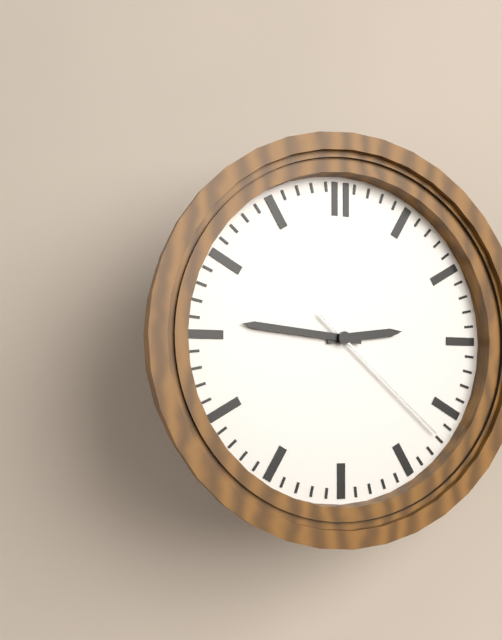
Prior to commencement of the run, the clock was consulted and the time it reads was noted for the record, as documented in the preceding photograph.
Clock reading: 2:46:22
